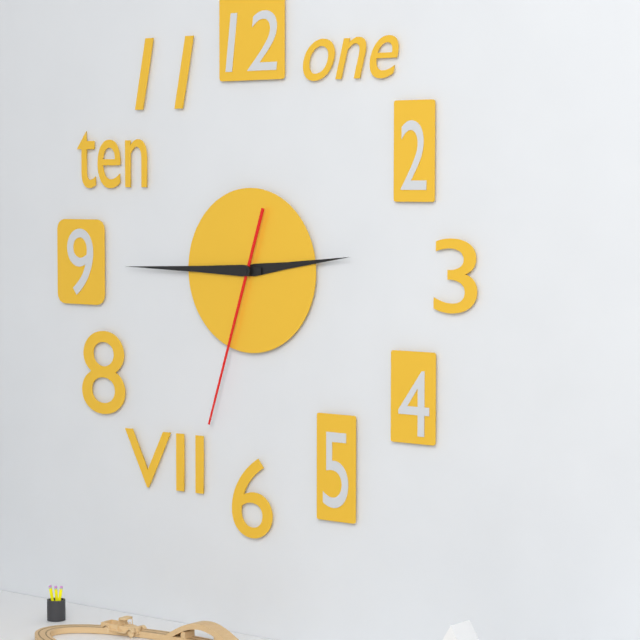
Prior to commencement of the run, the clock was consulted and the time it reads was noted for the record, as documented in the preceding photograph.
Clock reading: 2:45:33
